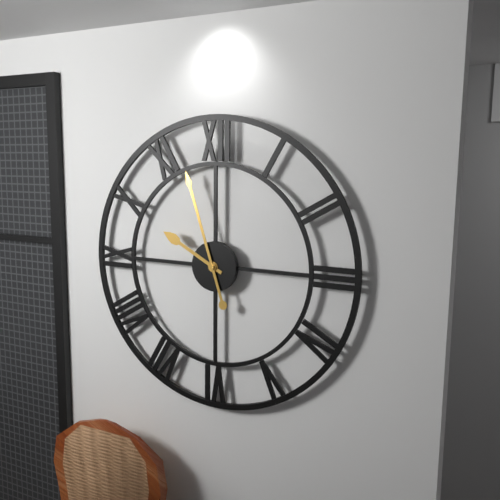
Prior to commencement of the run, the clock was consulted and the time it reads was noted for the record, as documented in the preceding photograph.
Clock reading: 9:57
